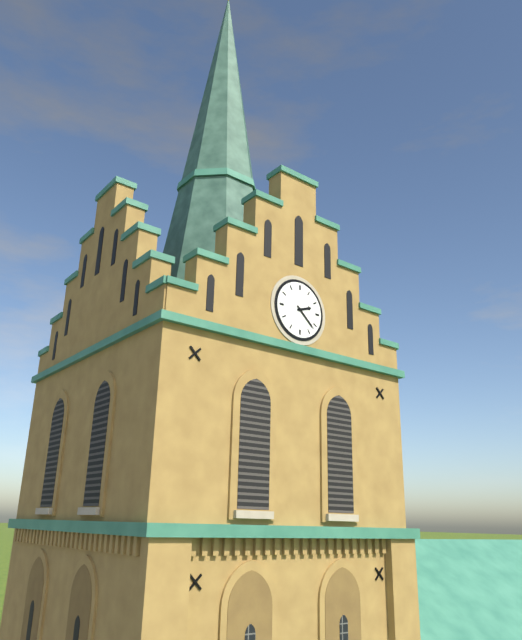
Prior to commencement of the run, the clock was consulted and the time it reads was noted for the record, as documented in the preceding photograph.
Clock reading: 2:22
